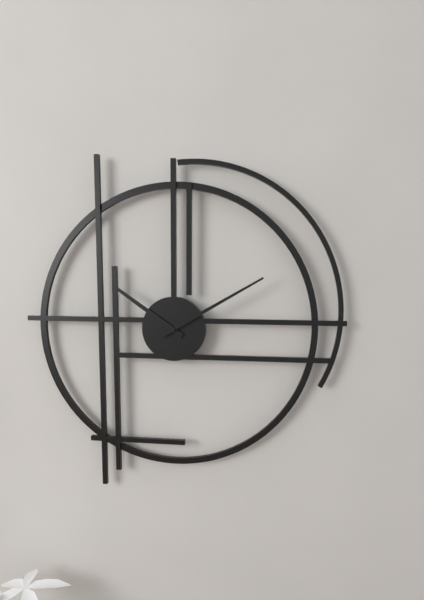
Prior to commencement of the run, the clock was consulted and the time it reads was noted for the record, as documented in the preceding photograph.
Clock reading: 10:10
